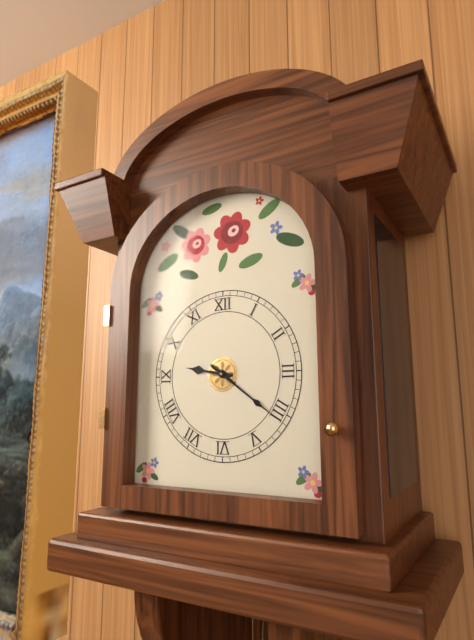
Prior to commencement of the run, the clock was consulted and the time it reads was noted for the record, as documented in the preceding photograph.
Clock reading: 9:21
